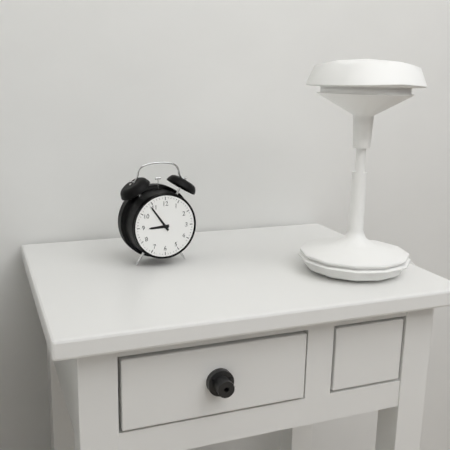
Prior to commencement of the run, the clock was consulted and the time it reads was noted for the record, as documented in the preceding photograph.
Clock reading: 8:54
